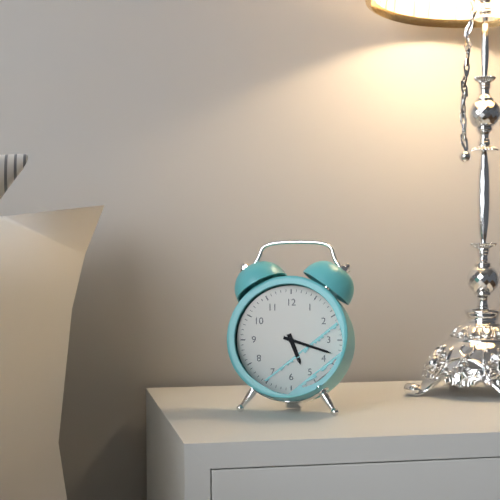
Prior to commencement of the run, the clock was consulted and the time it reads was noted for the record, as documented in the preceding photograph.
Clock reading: 5:18
